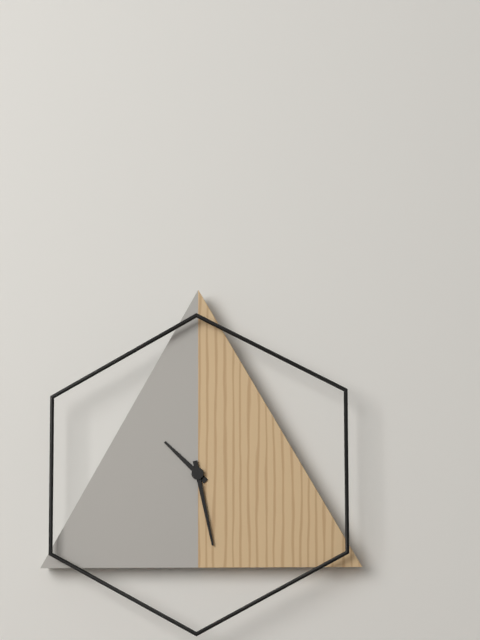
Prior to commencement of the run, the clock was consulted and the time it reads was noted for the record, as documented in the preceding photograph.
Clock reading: 10:28
